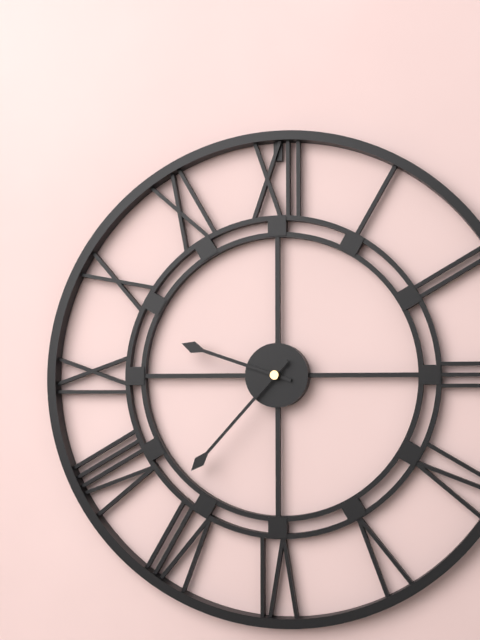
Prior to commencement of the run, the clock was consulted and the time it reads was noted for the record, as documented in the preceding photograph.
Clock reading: 9:37
